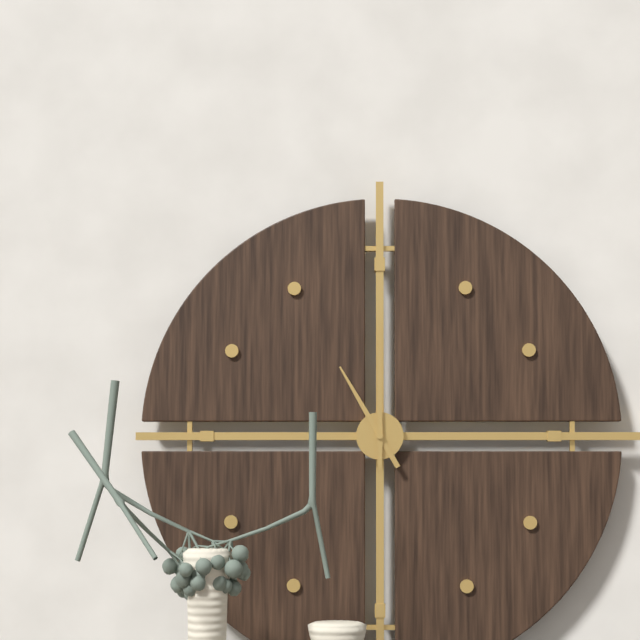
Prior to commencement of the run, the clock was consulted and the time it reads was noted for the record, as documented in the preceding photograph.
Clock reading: 11:00
